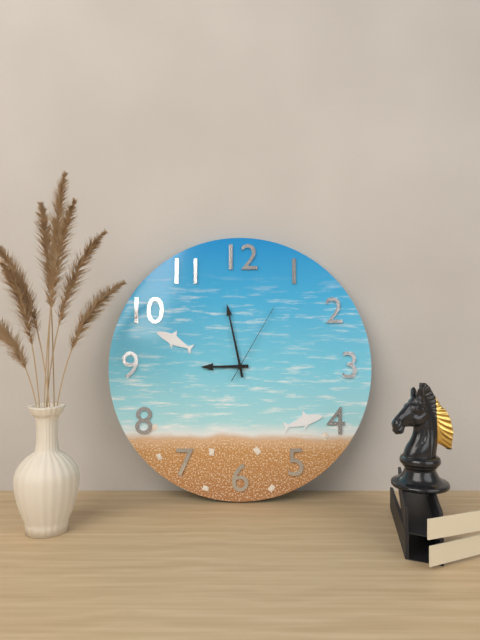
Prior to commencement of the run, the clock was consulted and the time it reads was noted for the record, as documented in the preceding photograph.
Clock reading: 8:58:05
